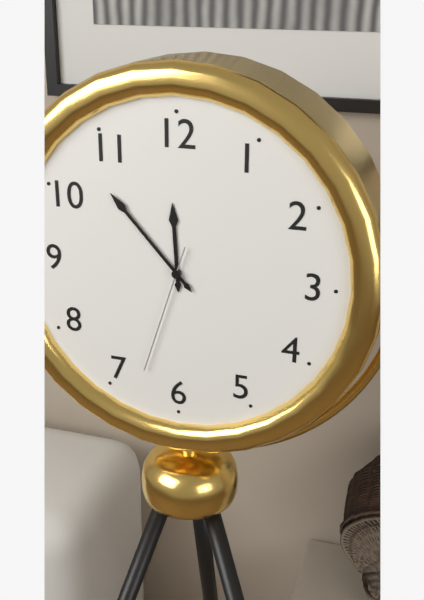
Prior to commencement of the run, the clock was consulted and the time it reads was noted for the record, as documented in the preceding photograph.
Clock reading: 11:53:33
